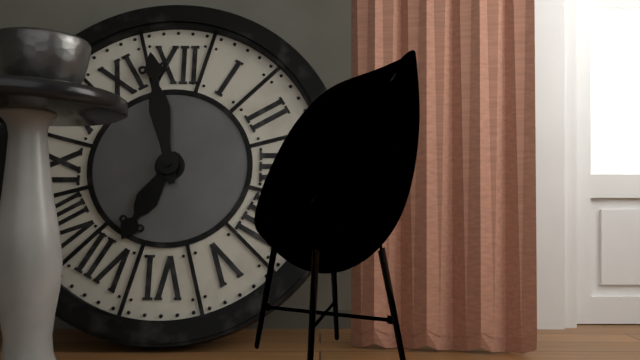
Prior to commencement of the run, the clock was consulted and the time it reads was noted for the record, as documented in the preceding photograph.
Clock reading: 6:58
